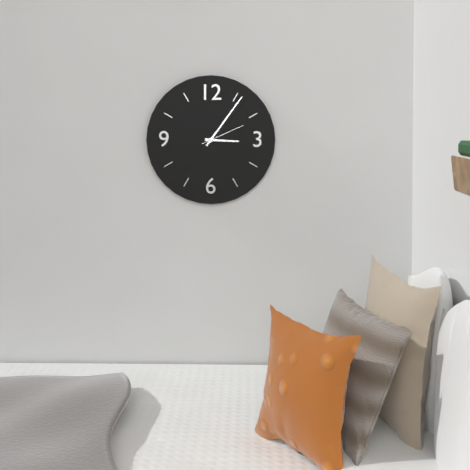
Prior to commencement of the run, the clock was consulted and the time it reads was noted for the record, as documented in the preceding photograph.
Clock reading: 3:06
